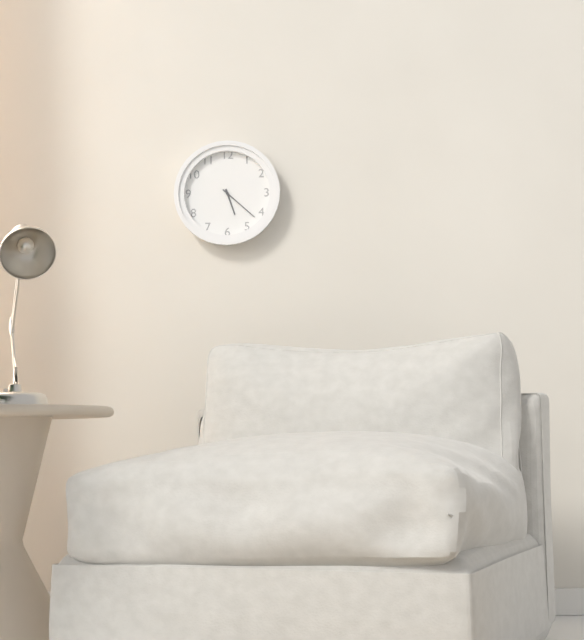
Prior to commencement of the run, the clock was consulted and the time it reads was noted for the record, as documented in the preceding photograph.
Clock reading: 5:22
